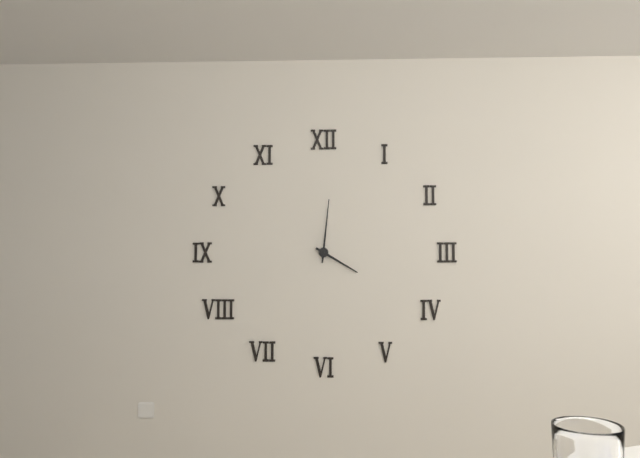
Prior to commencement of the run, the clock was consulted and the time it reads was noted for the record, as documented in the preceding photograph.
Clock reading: 4:01
